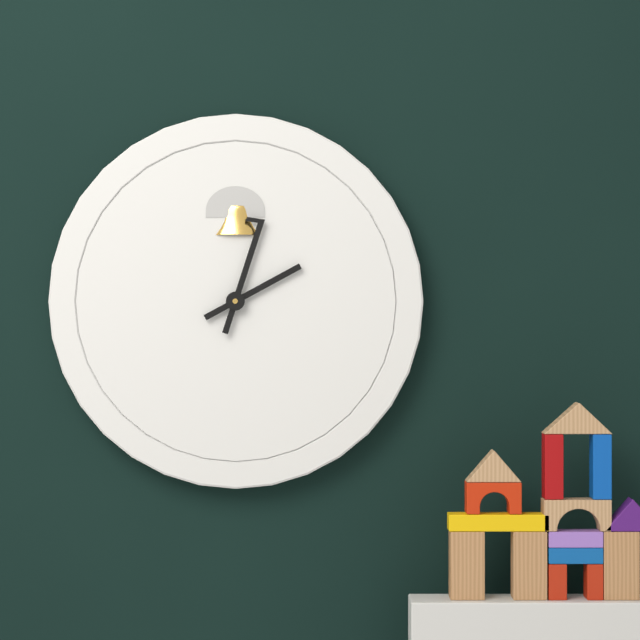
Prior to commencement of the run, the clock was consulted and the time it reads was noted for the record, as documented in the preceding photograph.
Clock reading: 2:03
